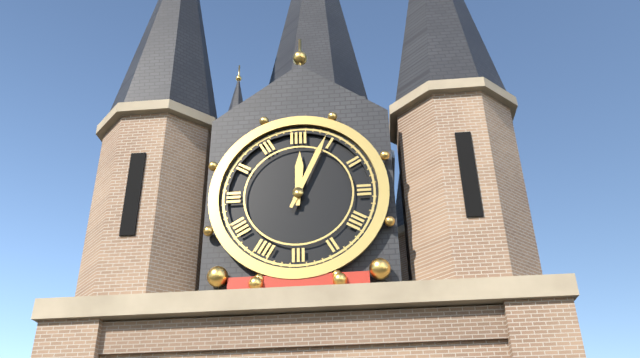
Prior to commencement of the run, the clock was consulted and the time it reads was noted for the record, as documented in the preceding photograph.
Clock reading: 12:04
